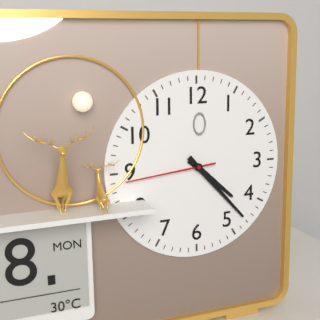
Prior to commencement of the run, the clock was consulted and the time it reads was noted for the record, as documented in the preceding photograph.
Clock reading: 4:23:44
